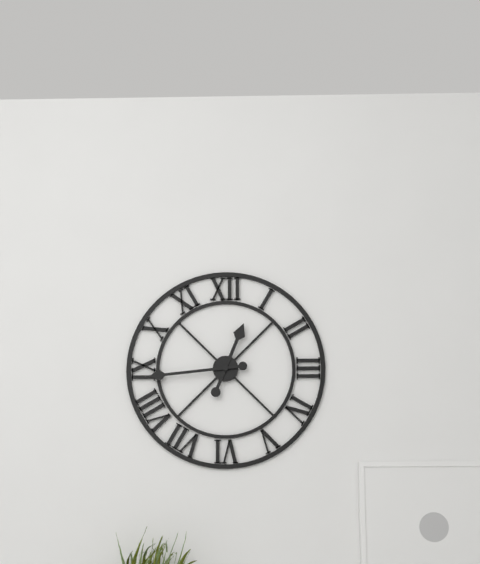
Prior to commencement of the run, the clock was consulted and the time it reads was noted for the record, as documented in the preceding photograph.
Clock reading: 12:44
